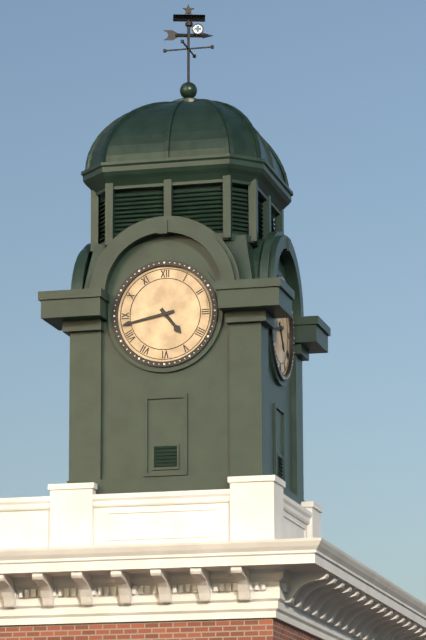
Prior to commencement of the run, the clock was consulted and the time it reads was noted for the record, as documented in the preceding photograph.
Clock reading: 4:43
